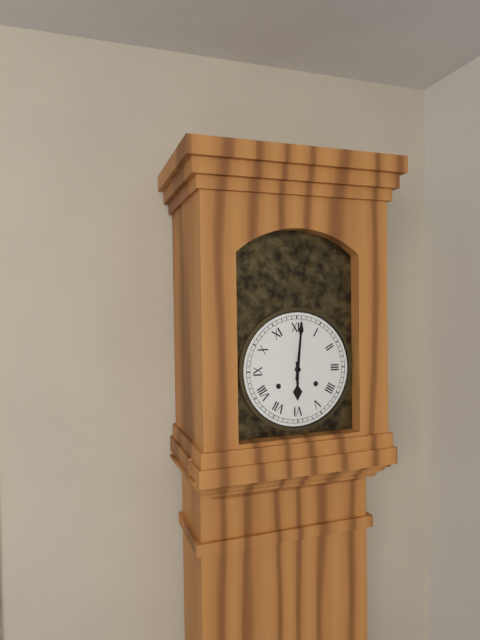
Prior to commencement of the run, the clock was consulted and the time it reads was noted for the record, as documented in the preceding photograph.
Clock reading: 6:01
